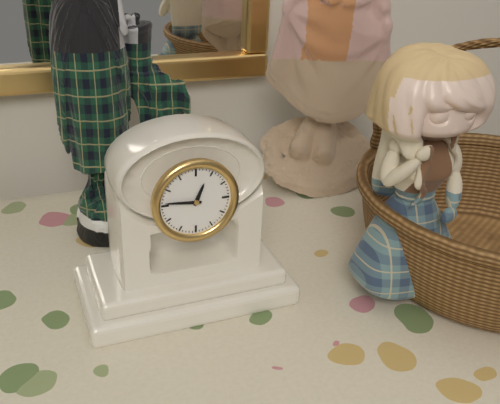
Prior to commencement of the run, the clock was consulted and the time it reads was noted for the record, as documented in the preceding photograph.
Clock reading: 12:46
